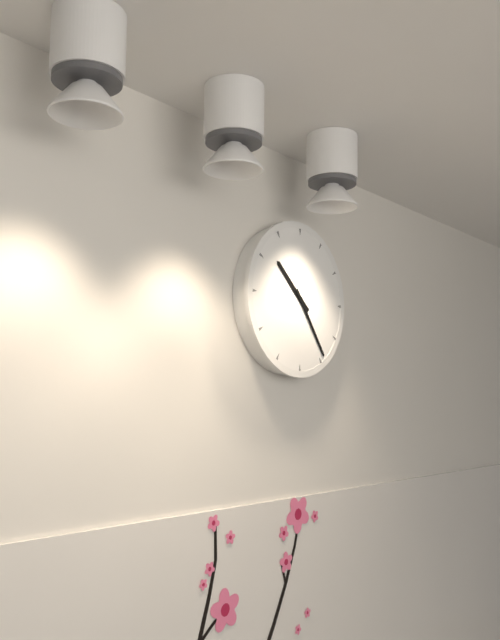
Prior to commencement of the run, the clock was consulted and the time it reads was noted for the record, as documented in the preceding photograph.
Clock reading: 10:24
